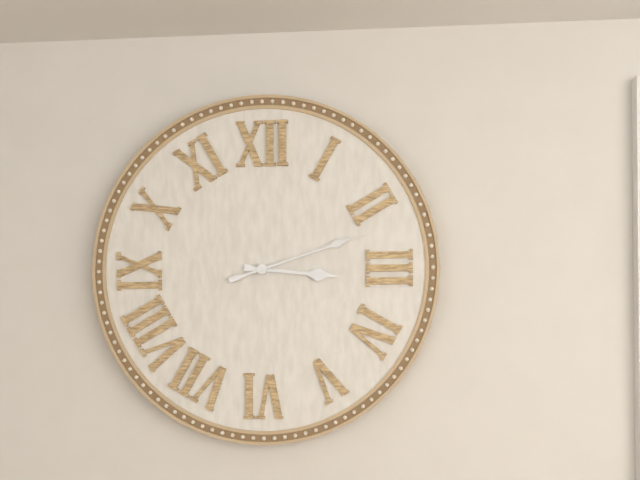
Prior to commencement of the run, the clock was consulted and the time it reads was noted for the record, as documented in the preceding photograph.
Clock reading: 3:12
